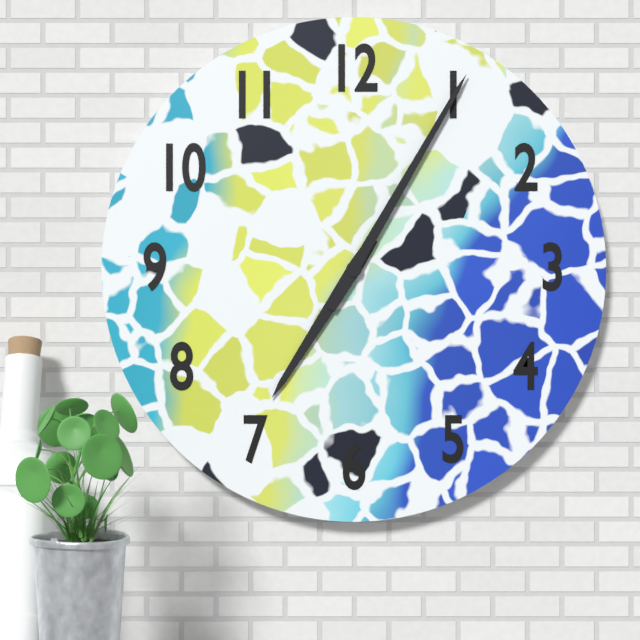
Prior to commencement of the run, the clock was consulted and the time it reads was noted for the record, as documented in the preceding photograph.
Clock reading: 7:05
